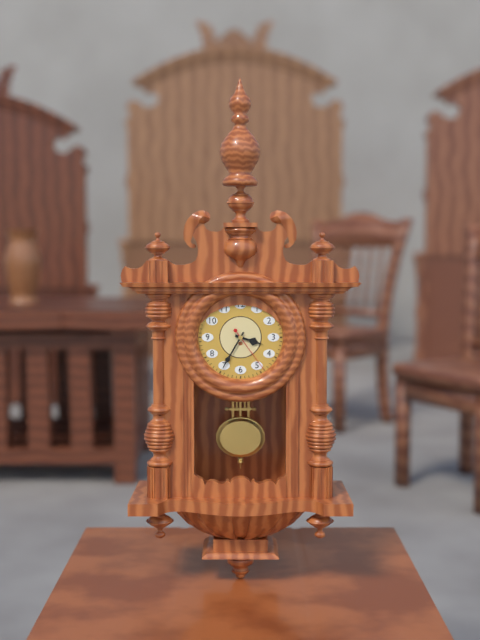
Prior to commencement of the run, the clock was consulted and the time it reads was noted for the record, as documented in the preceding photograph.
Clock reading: 3:35:24
